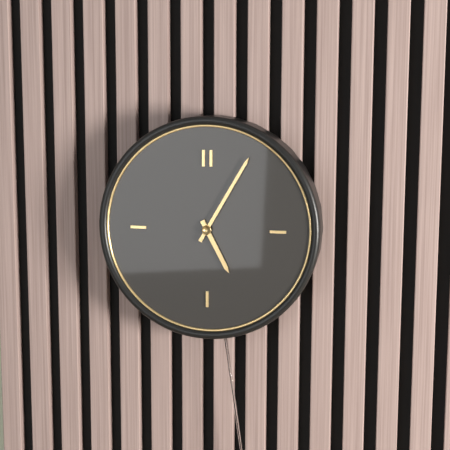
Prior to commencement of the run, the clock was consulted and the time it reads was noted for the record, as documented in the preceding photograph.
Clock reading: 5:05
